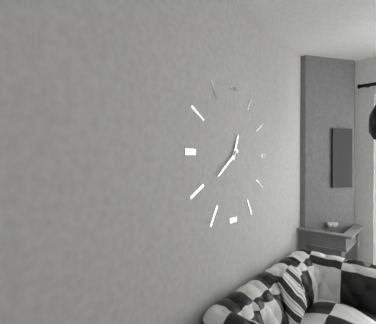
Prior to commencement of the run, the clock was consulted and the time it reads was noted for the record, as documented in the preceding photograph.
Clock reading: 12:39
